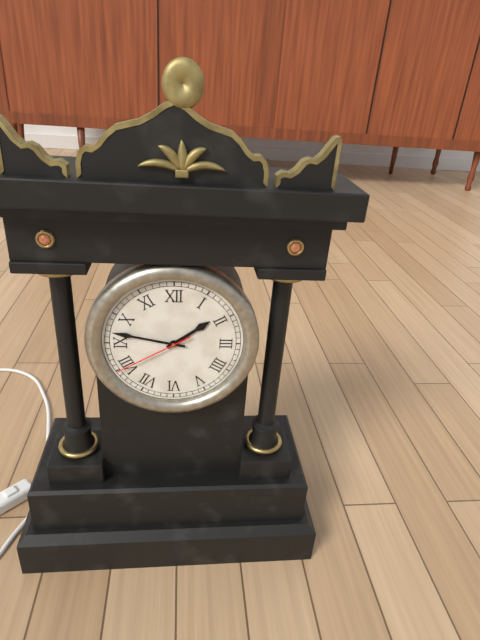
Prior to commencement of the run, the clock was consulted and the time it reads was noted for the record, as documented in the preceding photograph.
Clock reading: 1:47:40
